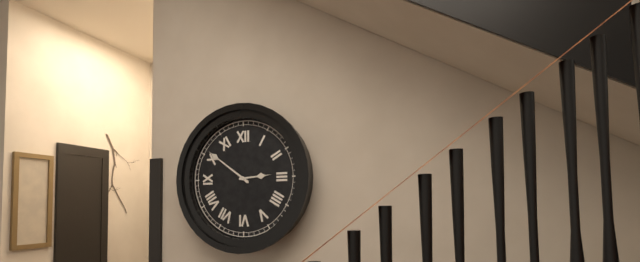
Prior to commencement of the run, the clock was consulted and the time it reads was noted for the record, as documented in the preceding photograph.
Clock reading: 2:51
